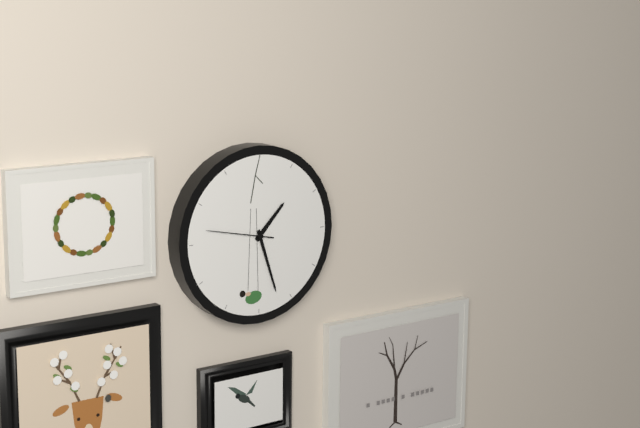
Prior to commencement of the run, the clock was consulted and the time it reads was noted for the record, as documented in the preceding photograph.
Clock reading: 1:27:47
